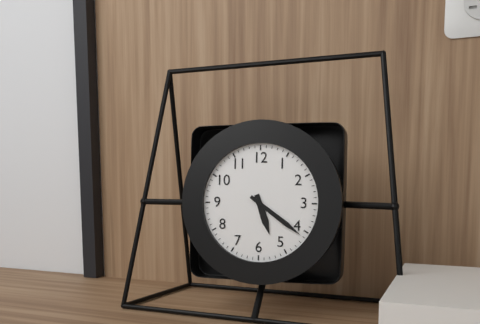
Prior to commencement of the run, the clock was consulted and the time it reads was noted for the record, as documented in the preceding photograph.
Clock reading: 5:21
